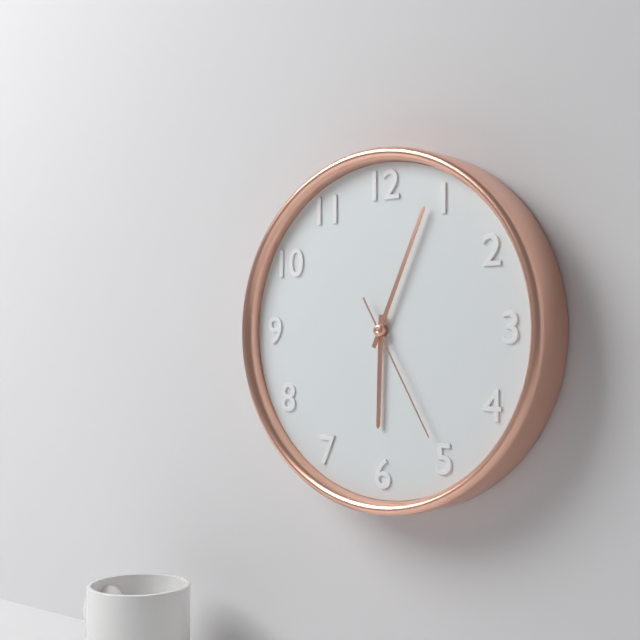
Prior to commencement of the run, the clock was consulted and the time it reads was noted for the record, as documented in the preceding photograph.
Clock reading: 6:04:25
